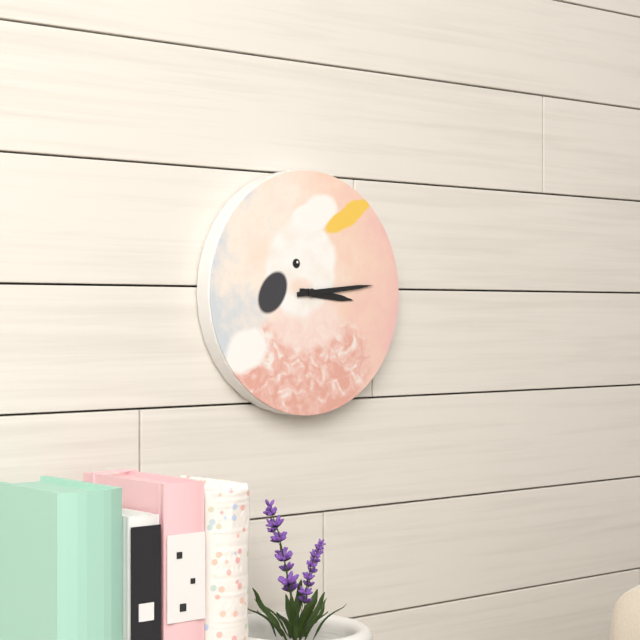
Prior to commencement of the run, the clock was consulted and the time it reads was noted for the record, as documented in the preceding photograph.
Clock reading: 3:14
